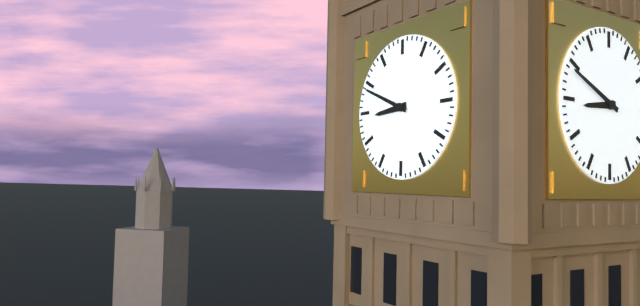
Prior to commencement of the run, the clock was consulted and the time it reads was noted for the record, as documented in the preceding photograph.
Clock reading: 8:49
